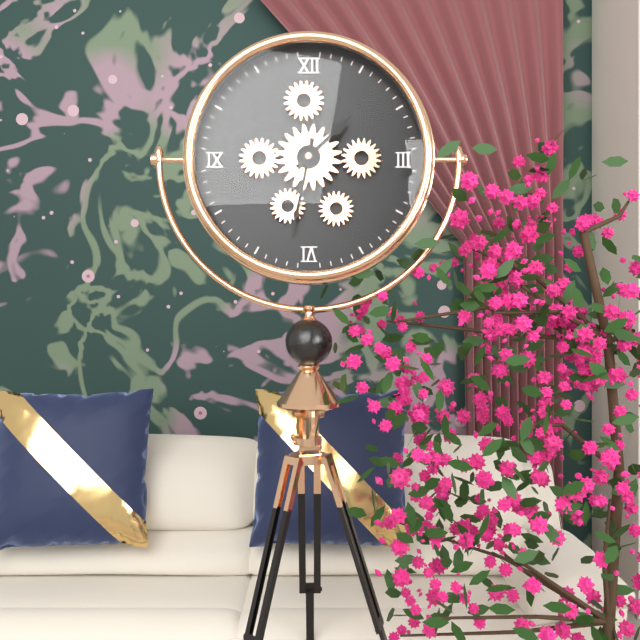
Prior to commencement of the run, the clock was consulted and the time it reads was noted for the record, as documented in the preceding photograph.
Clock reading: 1:32
